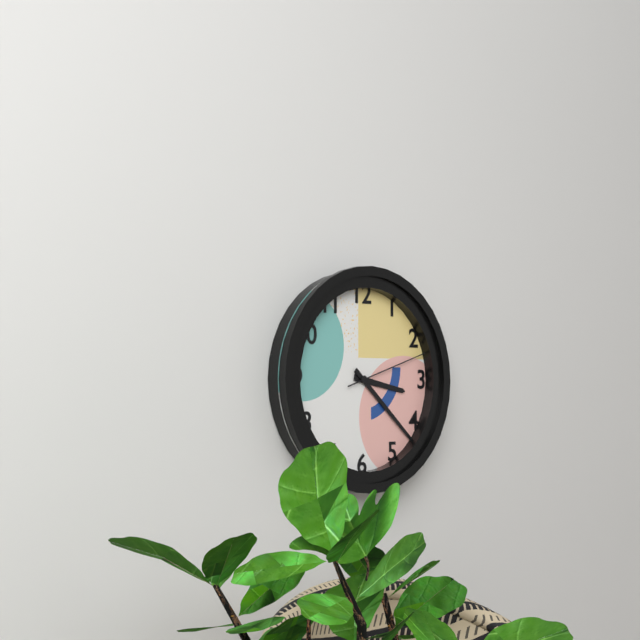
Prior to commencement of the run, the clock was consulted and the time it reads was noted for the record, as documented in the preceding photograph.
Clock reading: 3:22:12
